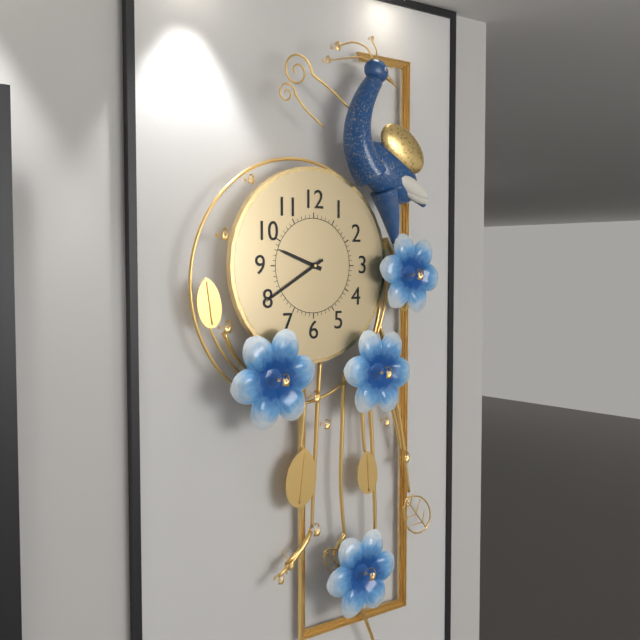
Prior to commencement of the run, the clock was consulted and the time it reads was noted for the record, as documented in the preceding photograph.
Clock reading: 9:40
